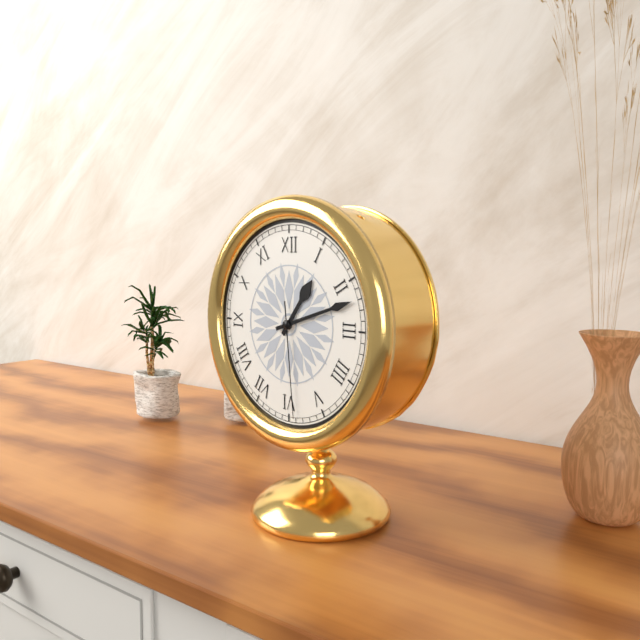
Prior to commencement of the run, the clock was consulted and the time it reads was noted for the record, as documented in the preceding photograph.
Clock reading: 1:12:29
